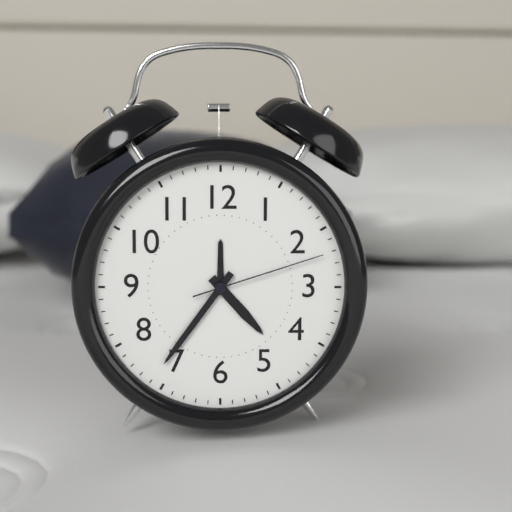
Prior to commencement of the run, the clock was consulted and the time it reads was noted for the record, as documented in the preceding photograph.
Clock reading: 4:36:12
